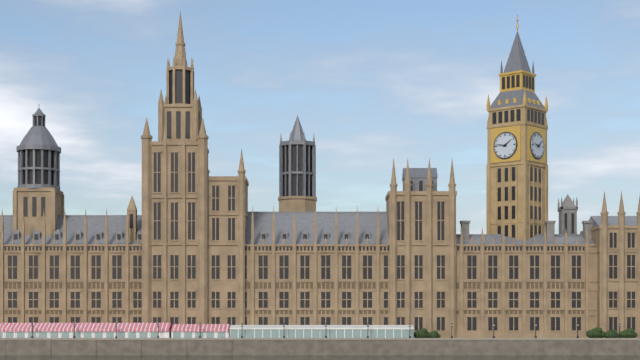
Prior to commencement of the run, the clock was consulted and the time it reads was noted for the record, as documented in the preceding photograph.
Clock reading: 1:47
